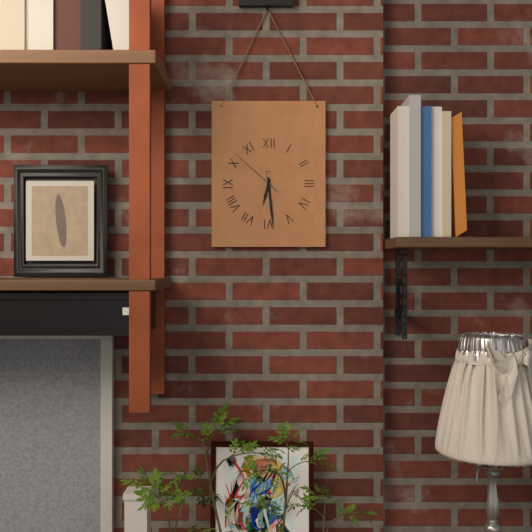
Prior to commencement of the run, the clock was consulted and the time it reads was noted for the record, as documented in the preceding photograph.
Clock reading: 6:29:52
